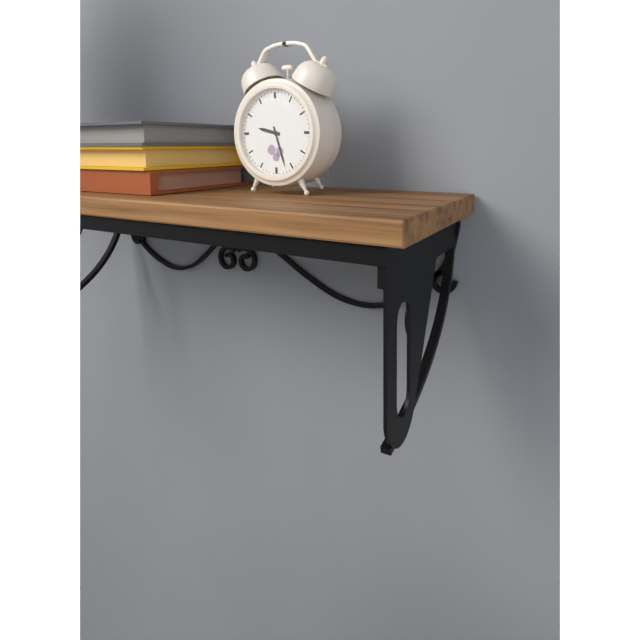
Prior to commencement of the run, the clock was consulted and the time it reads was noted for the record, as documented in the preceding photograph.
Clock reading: 9:27
